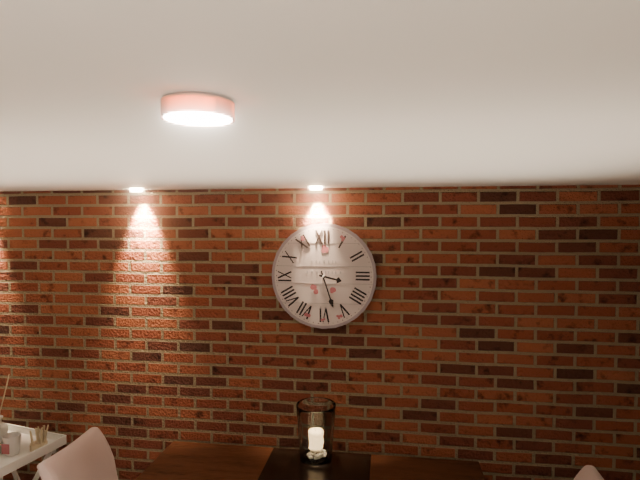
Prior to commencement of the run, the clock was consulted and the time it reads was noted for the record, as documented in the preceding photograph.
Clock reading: 3:27
